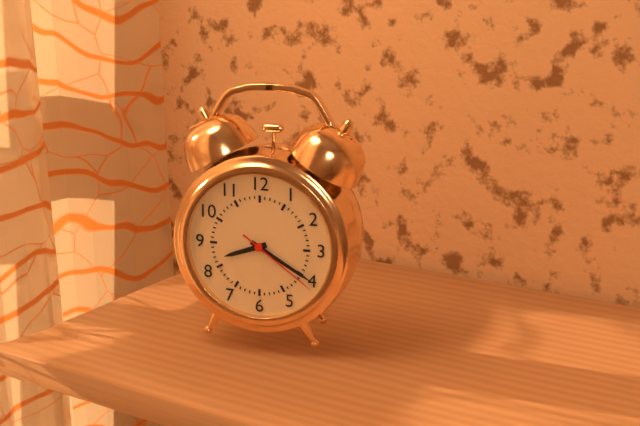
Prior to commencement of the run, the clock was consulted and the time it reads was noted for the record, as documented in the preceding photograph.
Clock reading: 8:20:21
